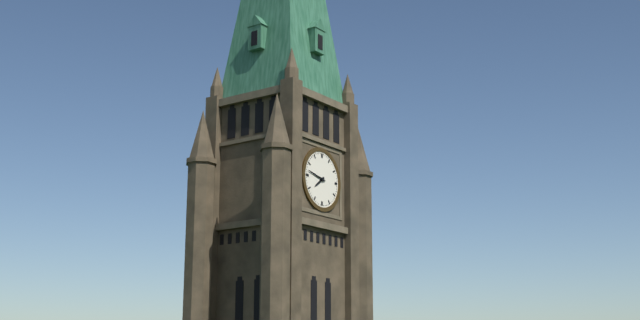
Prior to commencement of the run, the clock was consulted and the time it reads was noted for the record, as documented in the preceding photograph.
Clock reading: 7:47
